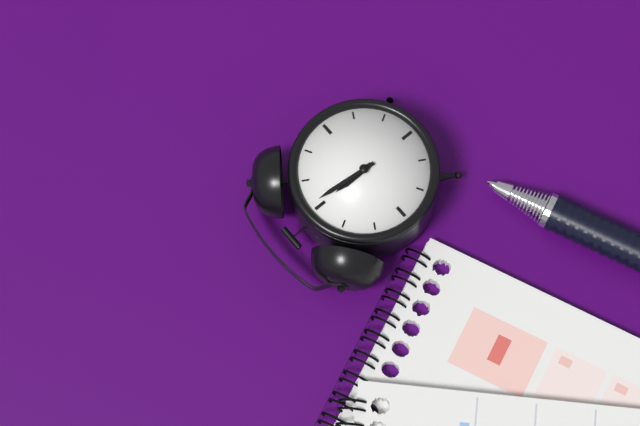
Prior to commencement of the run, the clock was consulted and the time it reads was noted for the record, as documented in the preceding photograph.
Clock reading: 12:01
